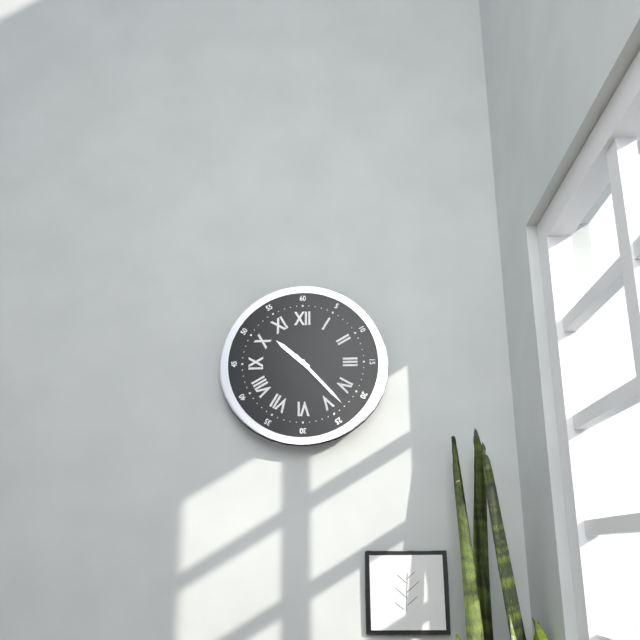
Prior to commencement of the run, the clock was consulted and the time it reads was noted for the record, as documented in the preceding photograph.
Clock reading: 10:23
